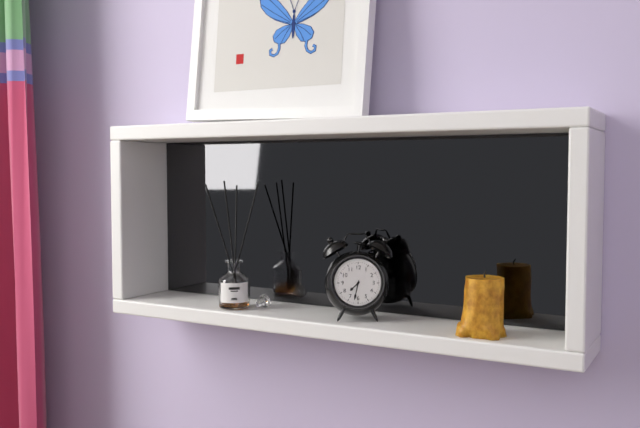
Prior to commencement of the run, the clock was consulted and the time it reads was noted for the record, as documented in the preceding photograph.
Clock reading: 7:32
